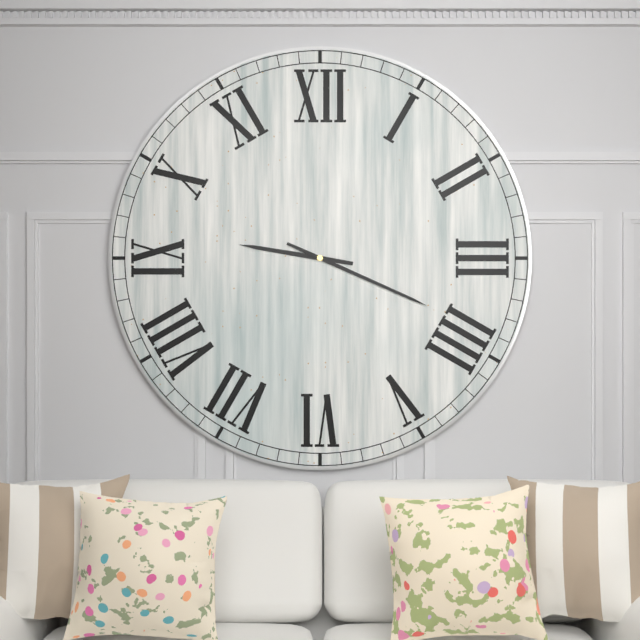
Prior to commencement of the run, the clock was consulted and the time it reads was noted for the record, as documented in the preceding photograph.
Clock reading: 9:19
